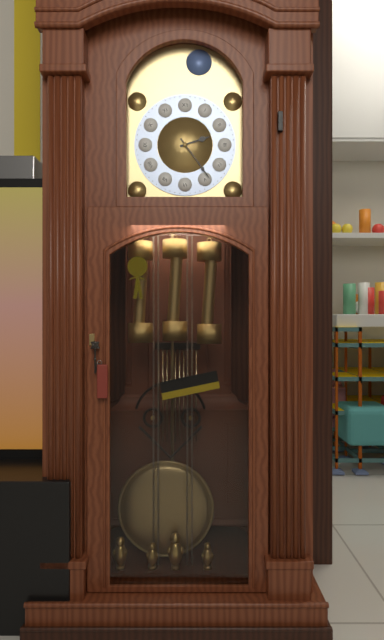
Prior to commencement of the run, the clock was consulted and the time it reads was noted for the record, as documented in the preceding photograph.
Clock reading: 2:24
